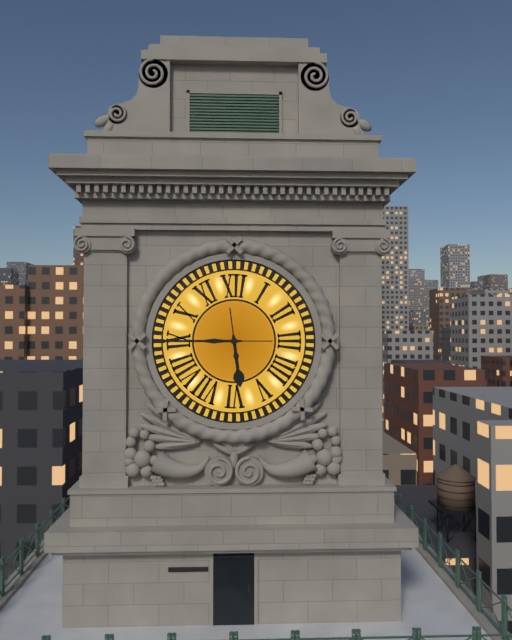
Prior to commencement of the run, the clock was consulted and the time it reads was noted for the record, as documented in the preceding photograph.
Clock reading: 5:45
